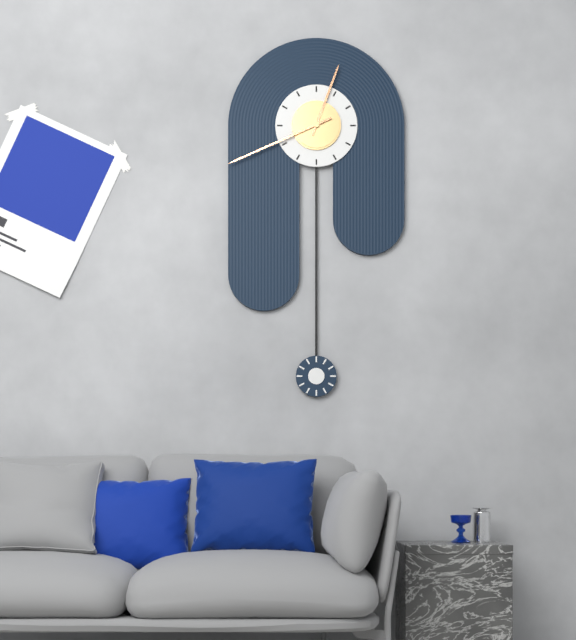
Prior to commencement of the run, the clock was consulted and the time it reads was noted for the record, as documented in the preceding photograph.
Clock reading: 12:41
